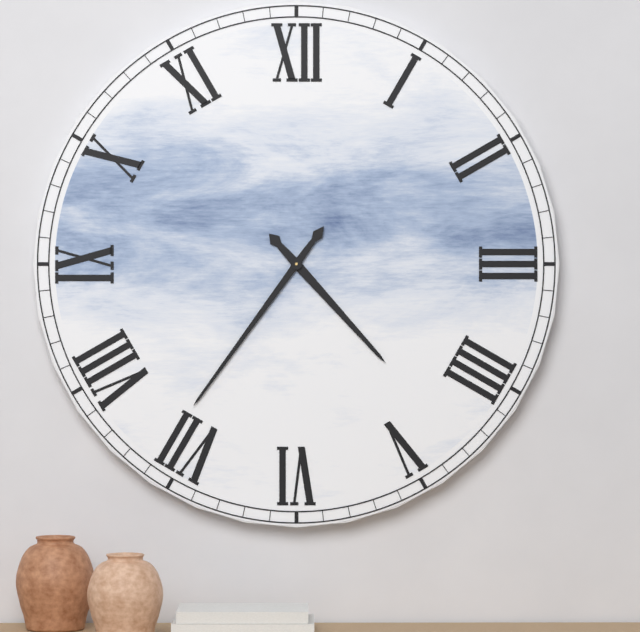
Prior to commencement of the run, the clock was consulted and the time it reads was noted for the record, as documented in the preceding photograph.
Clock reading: 4:36
